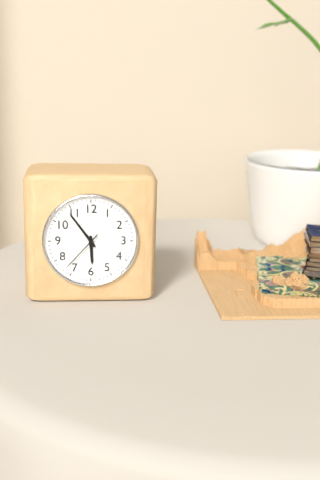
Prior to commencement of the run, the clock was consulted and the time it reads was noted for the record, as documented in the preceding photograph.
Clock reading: 5:54
